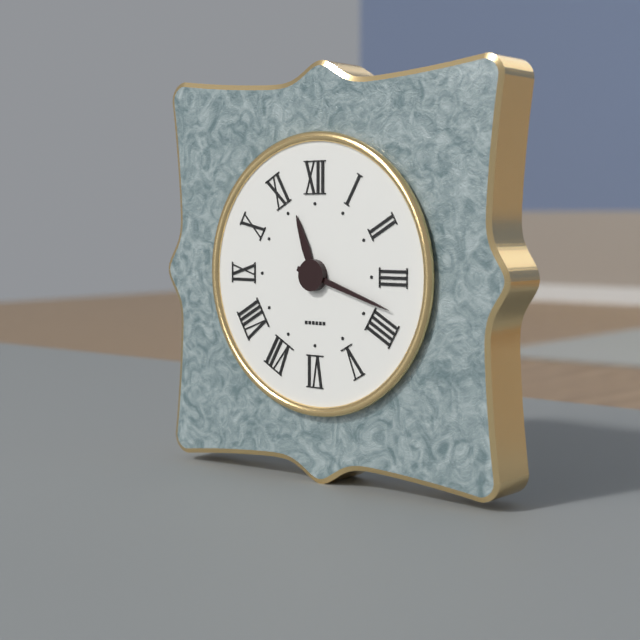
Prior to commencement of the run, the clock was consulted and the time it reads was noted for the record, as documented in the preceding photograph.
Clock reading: 11:18
